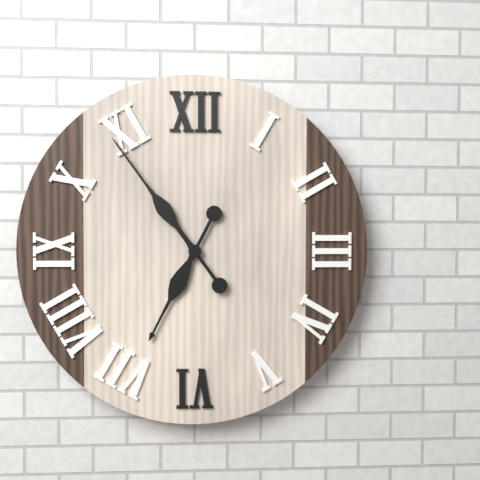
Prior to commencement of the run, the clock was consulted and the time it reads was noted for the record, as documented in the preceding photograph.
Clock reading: 6:54
